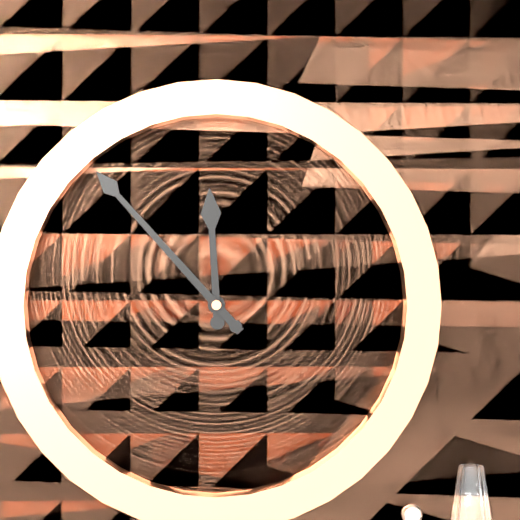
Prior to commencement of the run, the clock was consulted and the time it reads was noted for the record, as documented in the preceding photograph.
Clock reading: 11:53
